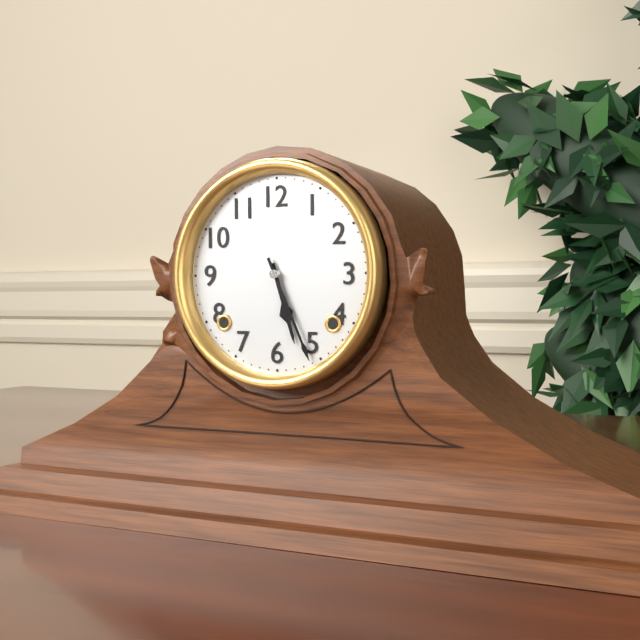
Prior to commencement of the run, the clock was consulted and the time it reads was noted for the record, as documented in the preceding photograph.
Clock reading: 5:26
